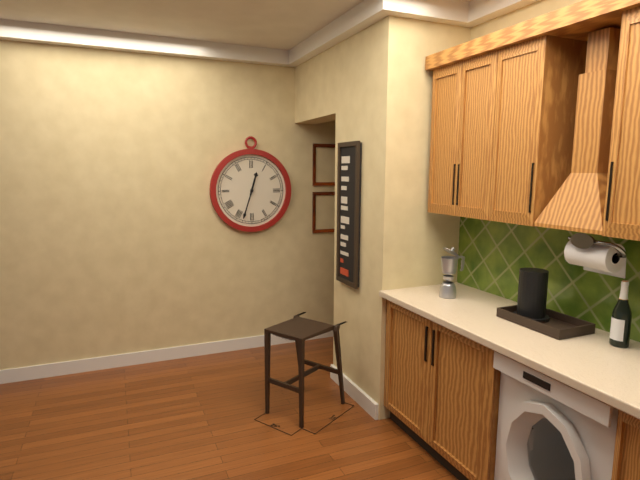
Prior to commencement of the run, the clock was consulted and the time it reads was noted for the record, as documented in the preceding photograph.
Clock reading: 12:33
